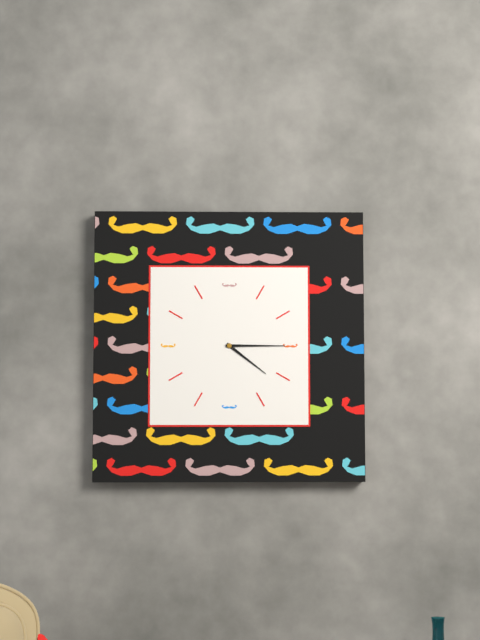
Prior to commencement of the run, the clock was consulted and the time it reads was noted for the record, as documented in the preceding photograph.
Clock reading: 4:15
